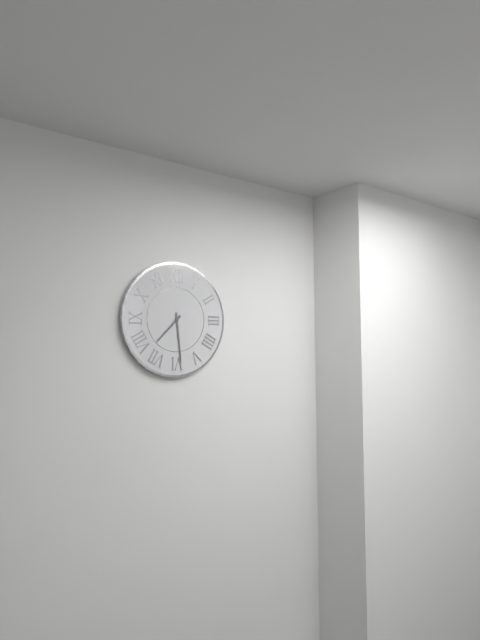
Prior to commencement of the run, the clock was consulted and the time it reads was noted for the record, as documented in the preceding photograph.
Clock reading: 7:29
